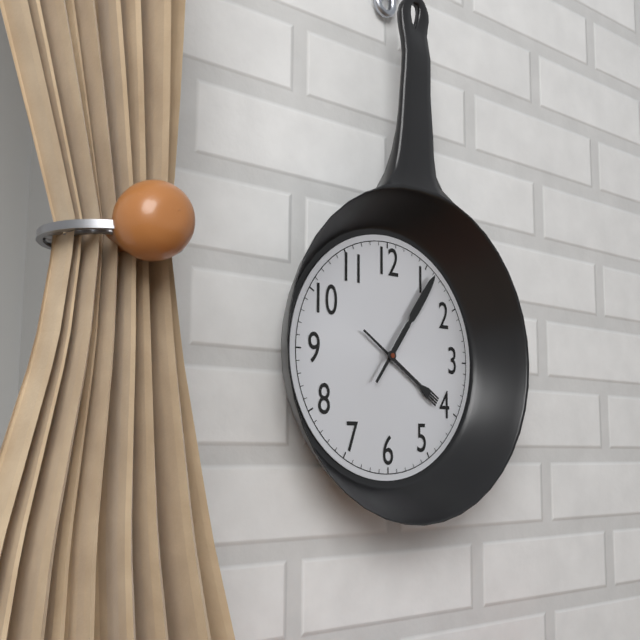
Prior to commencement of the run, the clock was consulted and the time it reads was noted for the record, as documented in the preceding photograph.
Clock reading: 4:06
